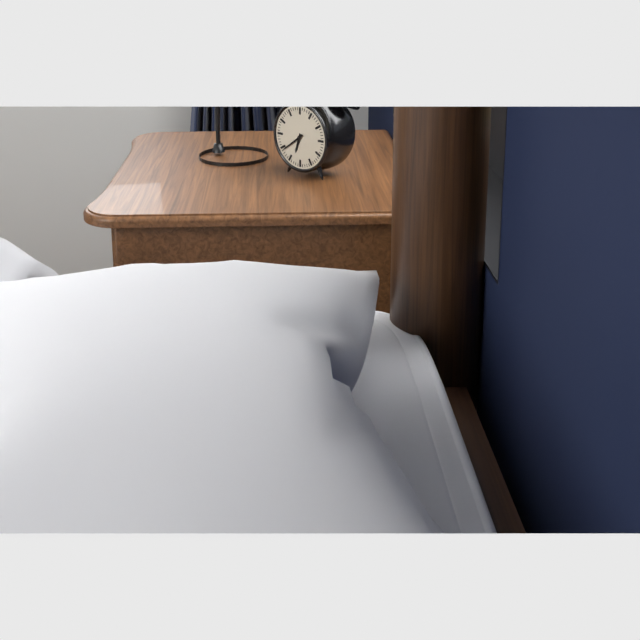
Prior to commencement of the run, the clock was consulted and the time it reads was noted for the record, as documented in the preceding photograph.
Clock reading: 6:39
